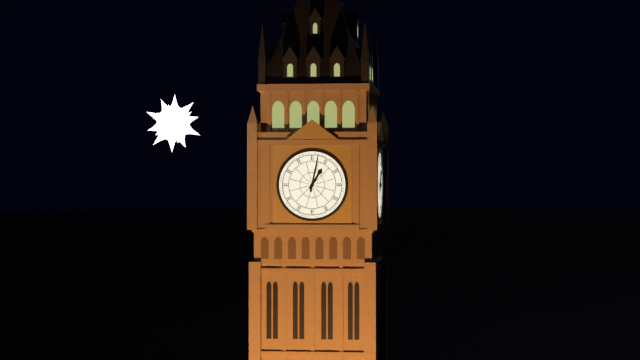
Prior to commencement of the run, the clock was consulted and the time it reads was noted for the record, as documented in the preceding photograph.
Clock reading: 1:02
